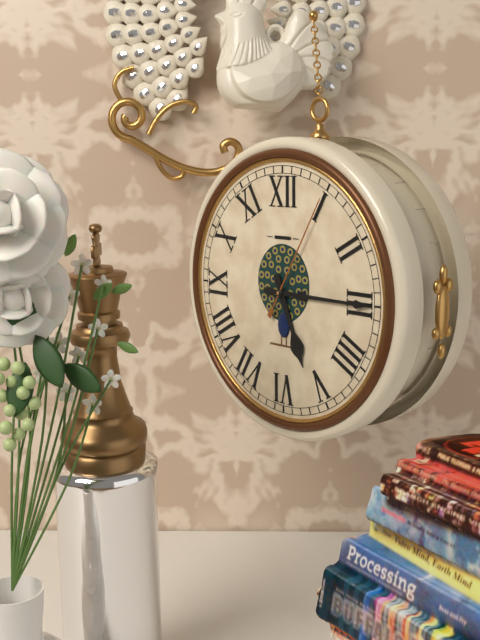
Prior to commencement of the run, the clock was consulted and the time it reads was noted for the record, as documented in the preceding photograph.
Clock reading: 5:15:05
